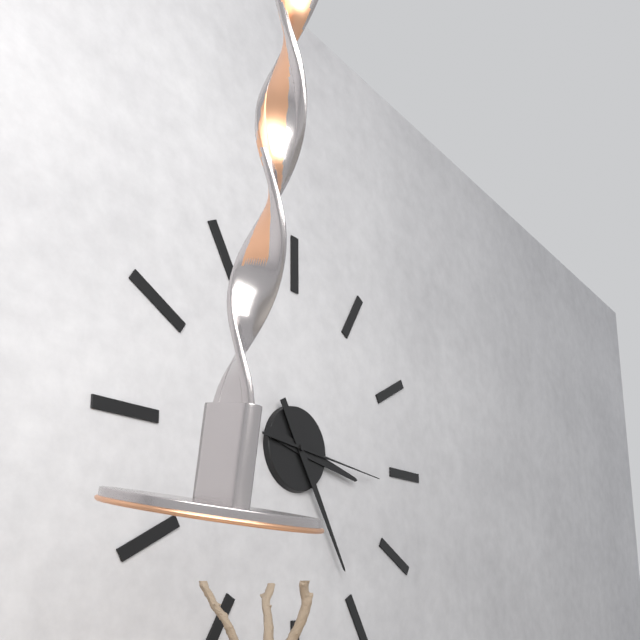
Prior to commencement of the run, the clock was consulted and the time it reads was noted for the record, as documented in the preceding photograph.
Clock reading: 3:25:16
